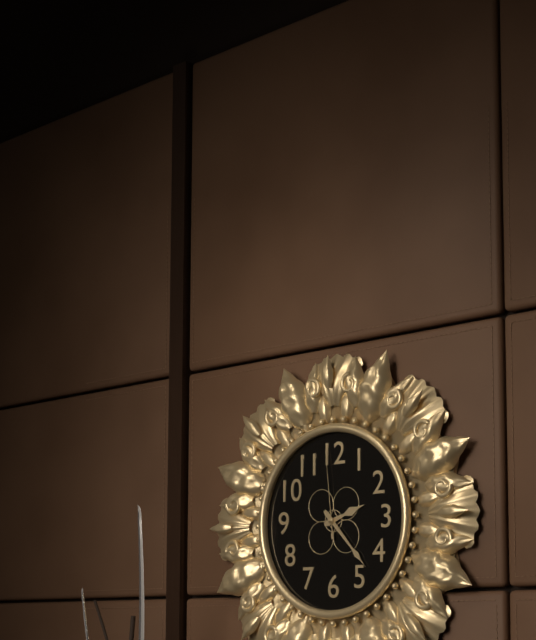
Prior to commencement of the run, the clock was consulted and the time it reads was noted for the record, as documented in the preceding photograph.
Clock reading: 2:23:59
